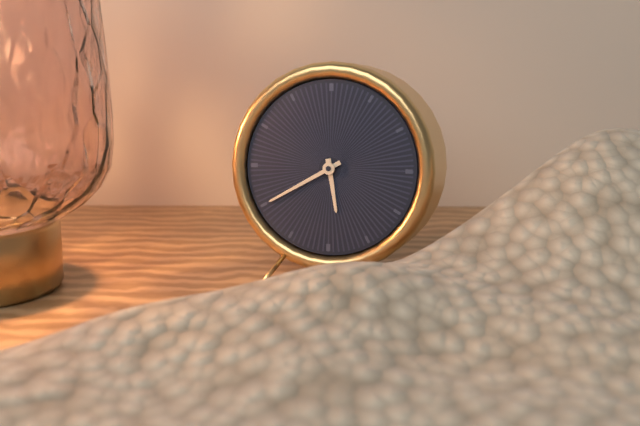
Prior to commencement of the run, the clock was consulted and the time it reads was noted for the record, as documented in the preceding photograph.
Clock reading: 5:40
